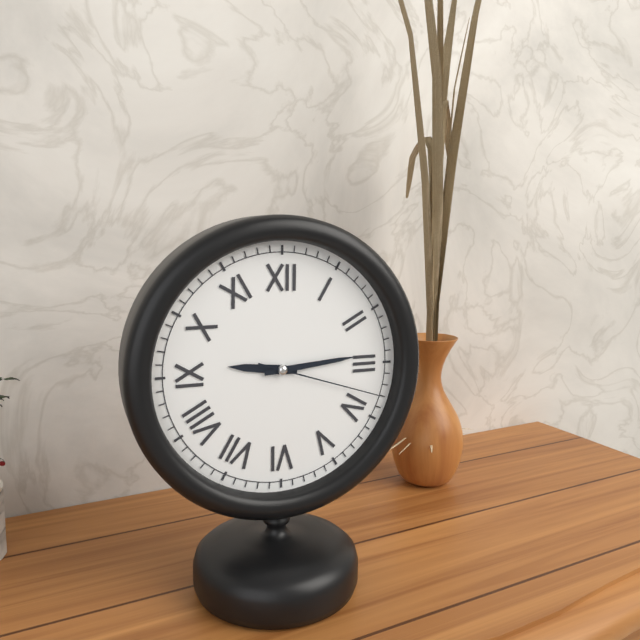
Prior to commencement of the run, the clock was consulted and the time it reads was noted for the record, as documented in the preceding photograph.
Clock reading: 9:14:18
